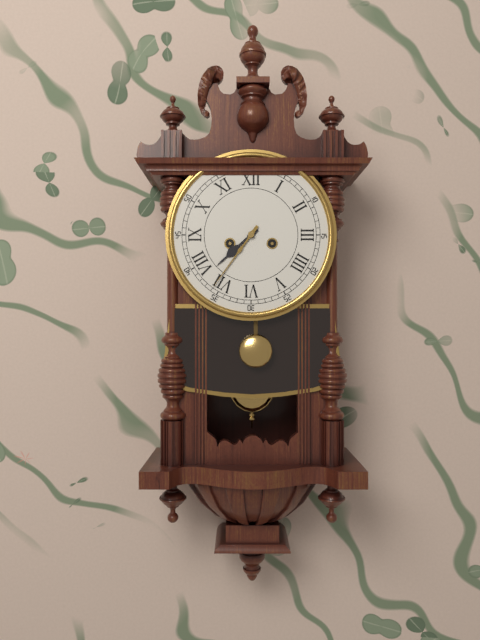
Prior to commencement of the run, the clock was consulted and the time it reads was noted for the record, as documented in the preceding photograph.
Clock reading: 7:36
